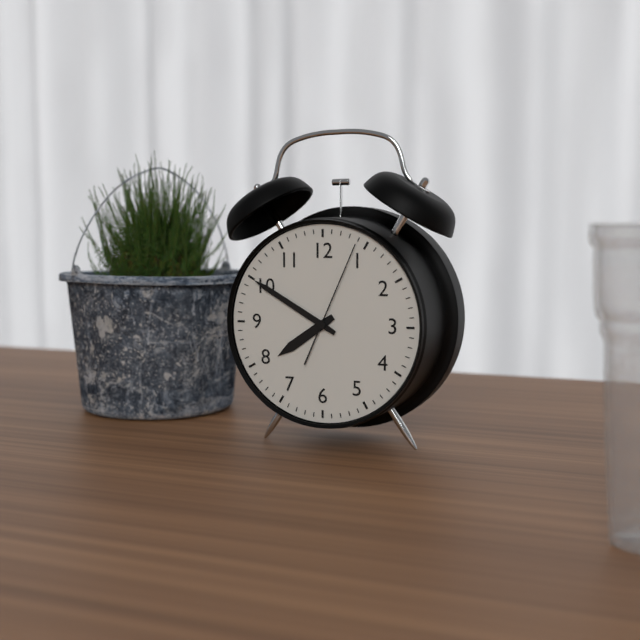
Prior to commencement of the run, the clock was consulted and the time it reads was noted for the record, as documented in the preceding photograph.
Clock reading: 7:50:04
